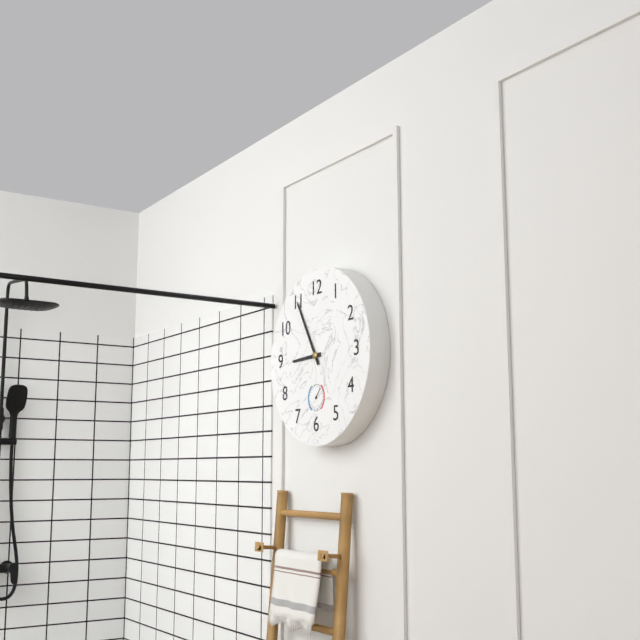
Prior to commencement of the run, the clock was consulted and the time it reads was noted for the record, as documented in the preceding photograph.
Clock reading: 8:55
